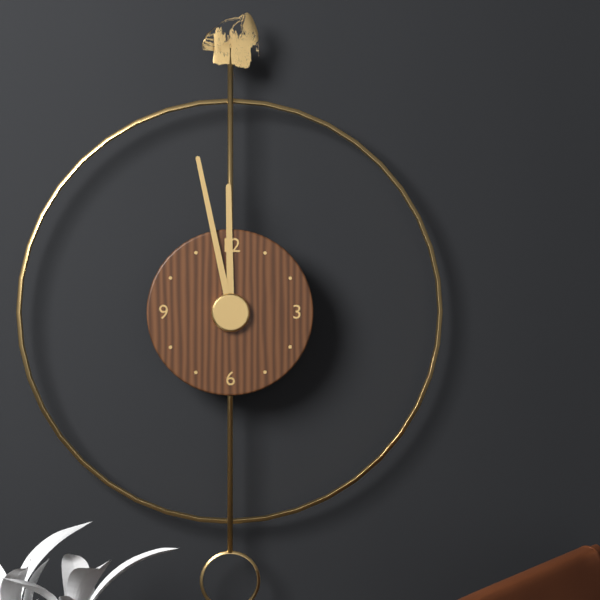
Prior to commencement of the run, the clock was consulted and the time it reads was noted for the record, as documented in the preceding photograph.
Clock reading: 11:58
